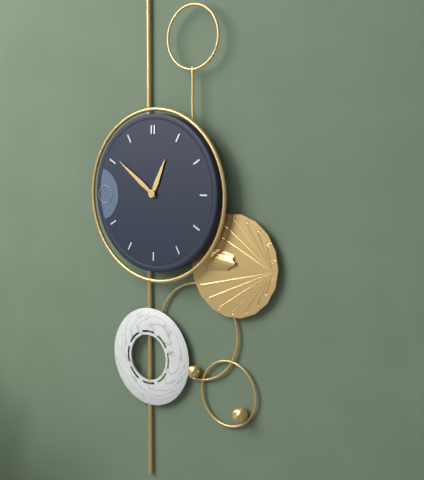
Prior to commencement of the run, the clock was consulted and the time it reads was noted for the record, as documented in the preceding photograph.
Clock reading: 12:51
